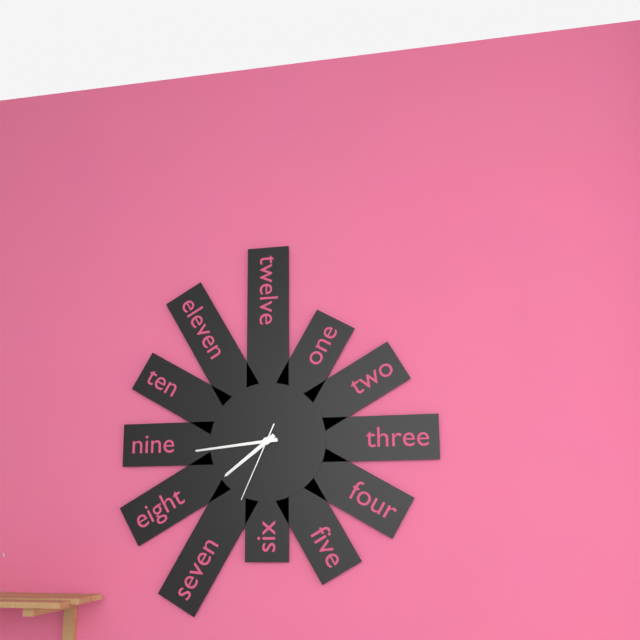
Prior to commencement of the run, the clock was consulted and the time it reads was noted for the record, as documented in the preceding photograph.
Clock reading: 7:44:34
